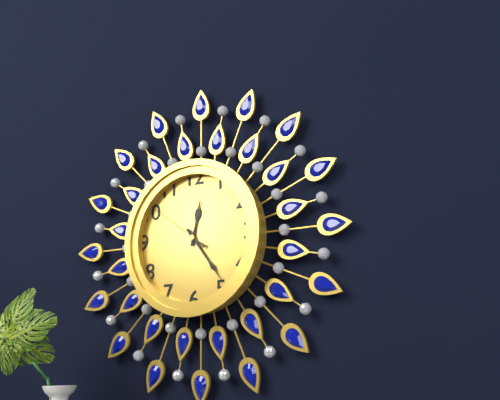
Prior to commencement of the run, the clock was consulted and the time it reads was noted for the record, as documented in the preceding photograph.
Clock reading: 12:24:51
